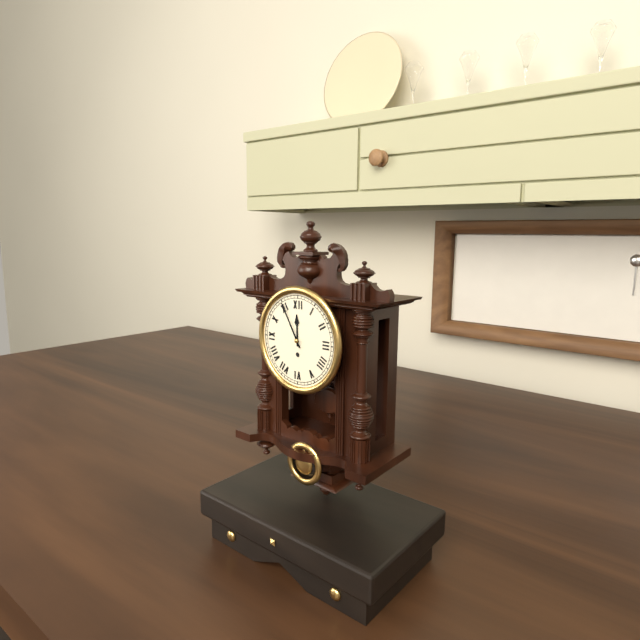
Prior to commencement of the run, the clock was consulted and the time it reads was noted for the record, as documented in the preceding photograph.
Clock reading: 11:55
